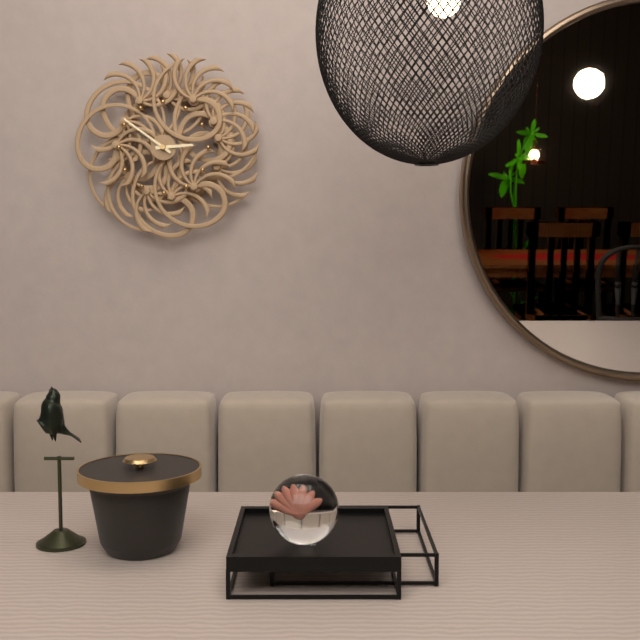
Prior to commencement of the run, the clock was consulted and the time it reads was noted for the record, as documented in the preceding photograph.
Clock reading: 2:51
